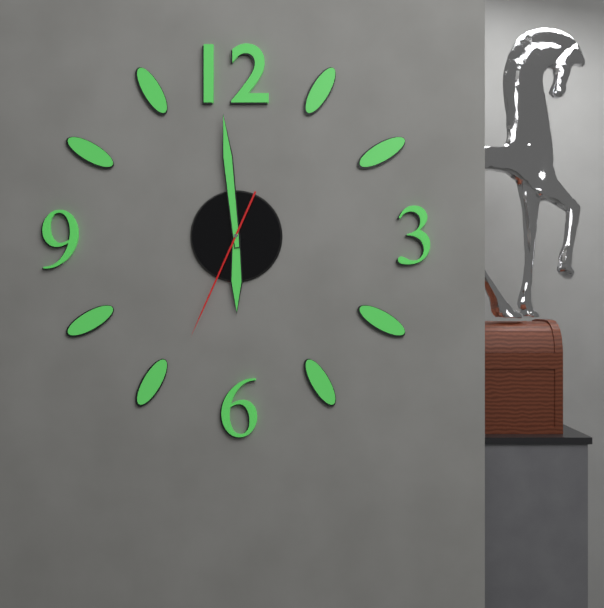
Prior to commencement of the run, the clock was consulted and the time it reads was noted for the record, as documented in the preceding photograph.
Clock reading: 5:59:34
